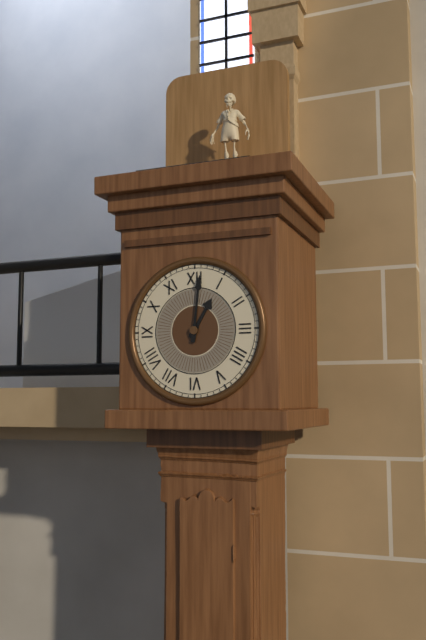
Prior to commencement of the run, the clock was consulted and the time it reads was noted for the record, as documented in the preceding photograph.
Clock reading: 1:01
